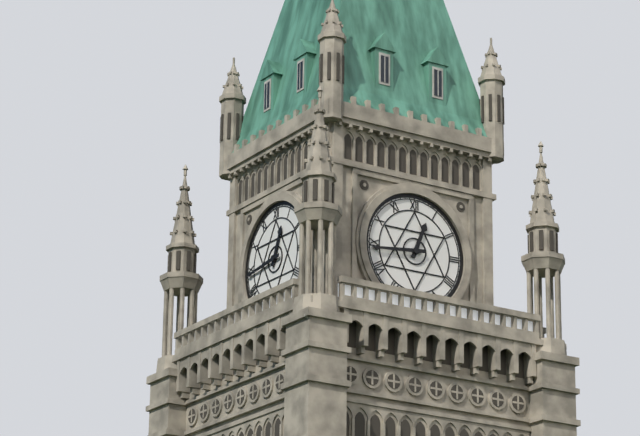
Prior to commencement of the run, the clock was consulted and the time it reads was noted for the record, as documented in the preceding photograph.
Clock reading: 12:44
